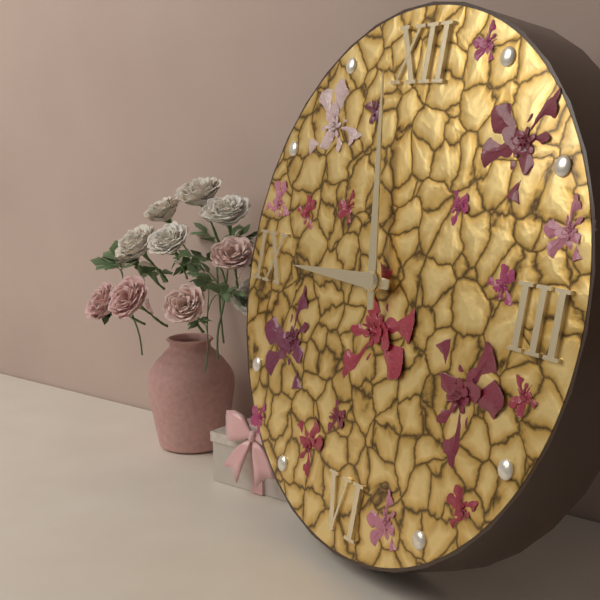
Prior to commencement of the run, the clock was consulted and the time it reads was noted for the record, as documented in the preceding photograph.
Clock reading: 8:58
